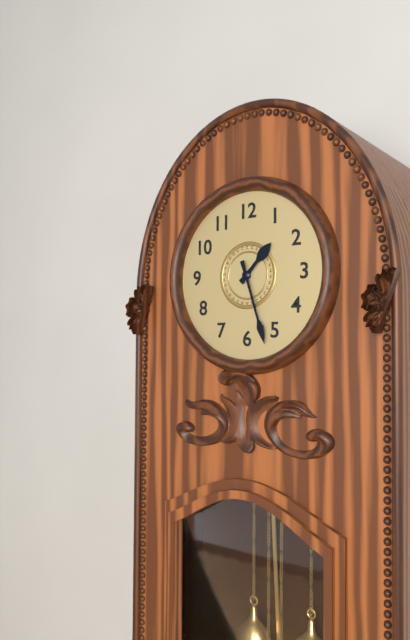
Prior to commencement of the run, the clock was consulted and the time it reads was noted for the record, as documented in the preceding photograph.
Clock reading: 1:27
